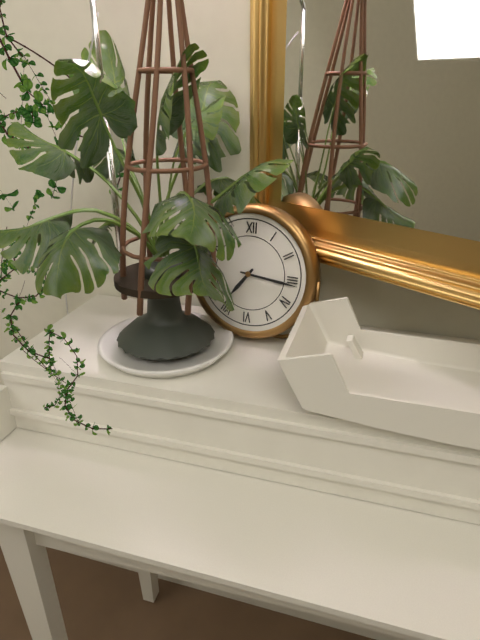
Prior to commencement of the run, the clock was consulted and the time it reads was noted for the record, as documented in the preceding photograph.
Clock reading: 7:16
